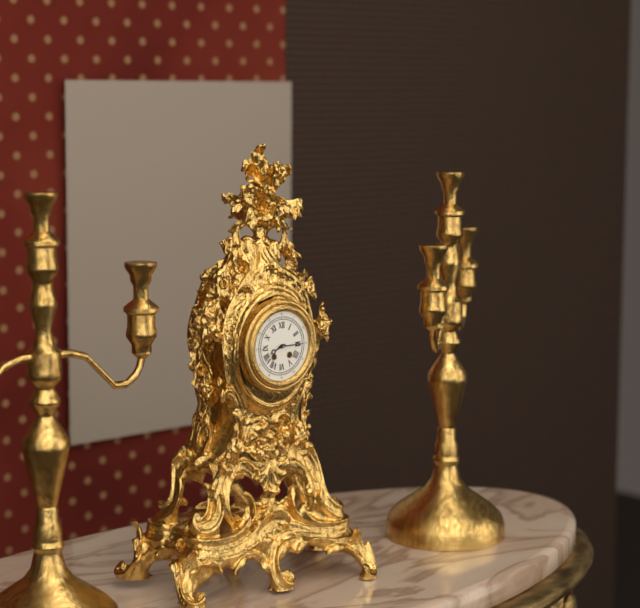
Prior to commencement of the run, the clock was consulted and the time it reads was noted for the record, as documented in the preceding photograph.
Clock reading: 8:15
